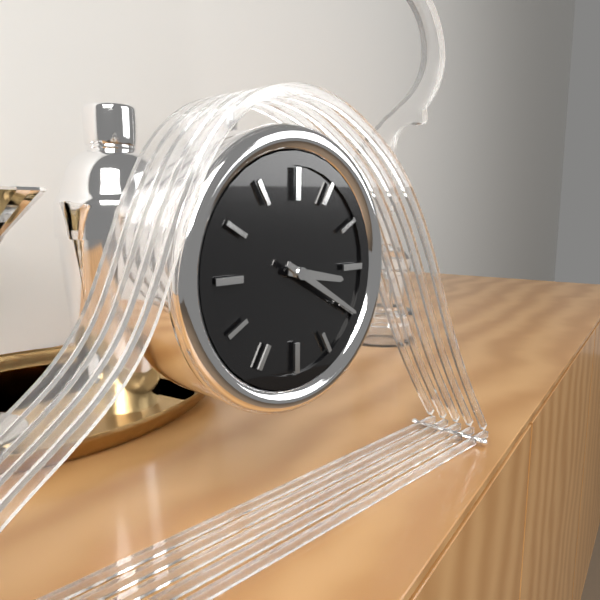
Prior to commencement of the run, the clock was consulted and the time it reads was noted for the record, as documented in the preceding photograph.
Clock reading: 3:20
